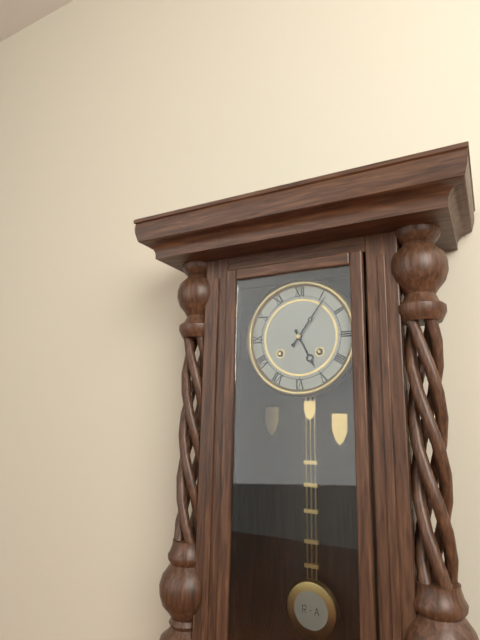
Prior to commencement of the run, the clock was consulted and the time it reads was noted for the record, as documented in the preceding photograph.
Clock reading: 5:06
